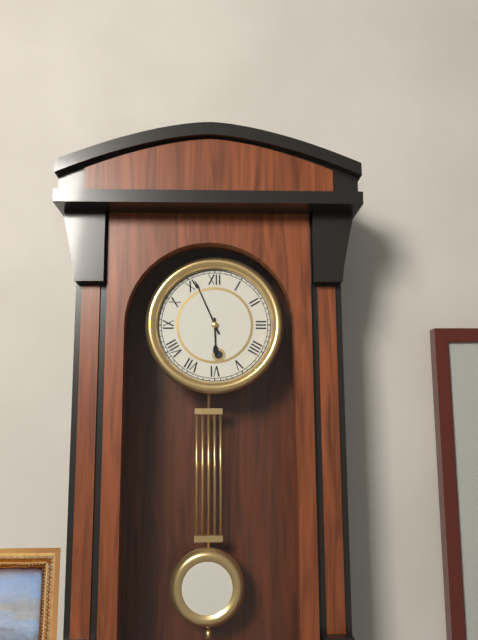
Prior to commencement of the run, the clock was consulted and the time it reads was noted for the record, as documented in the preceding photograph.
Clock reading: 5:56
